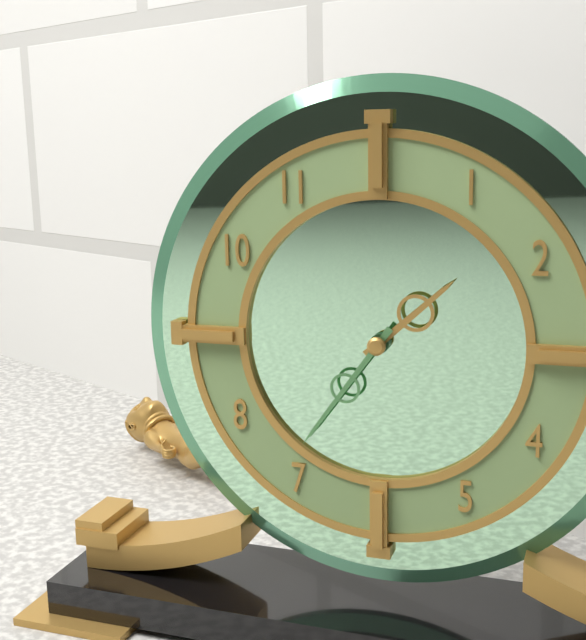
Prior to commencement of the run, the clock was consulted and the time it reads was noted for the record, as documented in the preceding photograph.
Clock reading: 1:36
